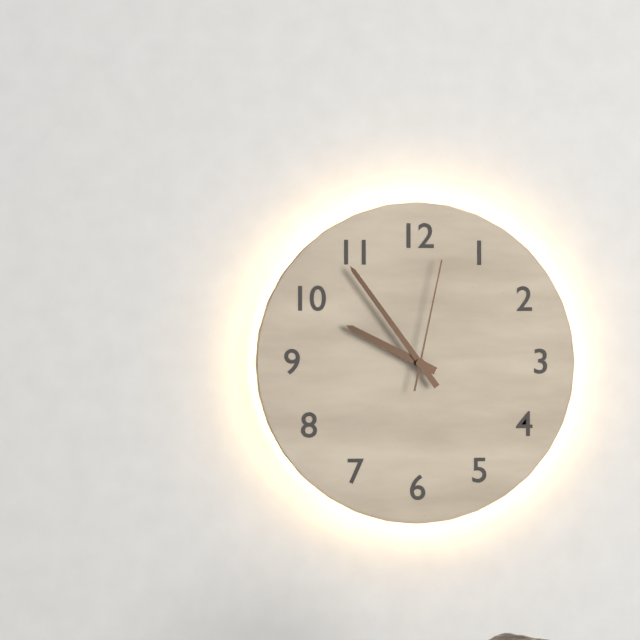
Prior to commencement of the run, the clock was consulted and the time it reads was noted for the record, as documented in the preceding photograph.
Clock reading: 9:54:02
